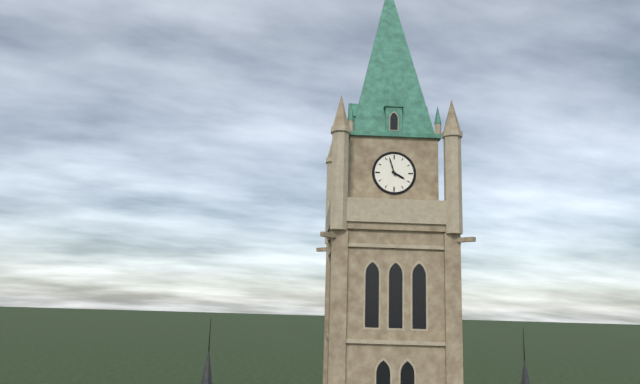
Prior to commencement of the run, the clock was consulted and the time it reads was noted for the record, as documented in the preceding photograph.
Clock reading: 3:57
